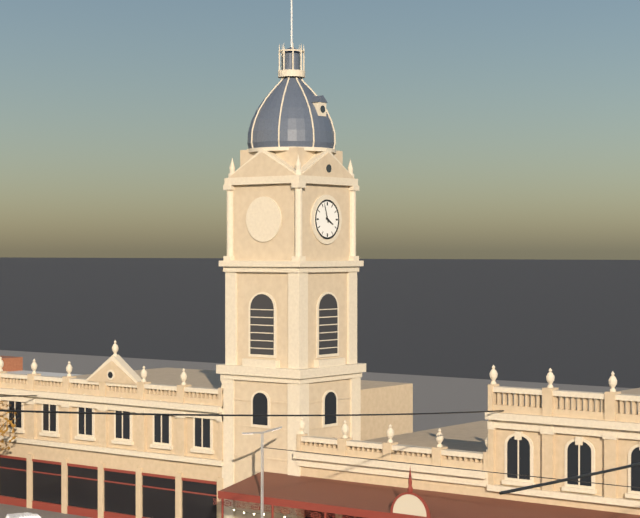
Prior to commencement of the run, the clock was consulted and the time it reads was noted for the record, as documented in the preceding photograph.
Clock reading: 3:57
